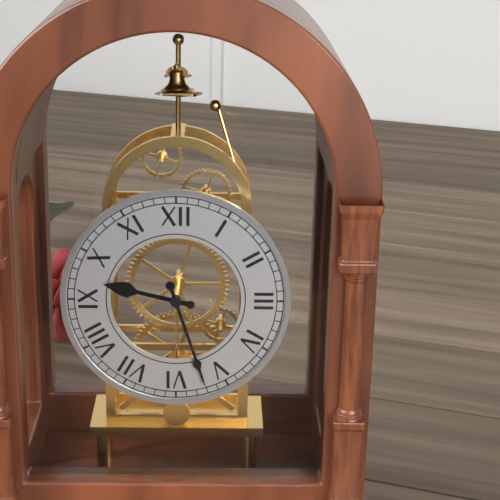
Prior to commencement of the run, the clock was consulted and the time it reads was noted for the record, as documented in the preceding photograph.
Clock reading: 9:27
